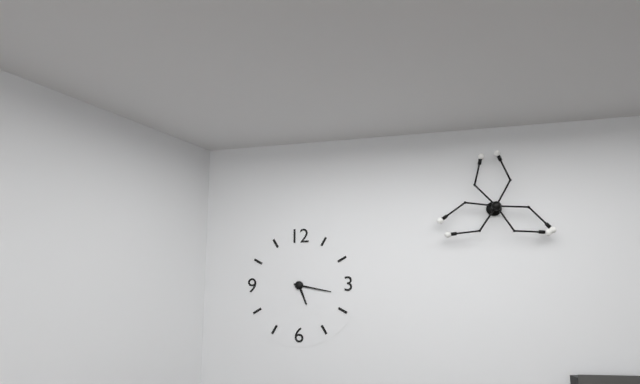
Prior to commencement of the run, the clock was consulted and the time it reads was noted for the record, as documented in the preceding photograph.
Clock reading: 5:17
